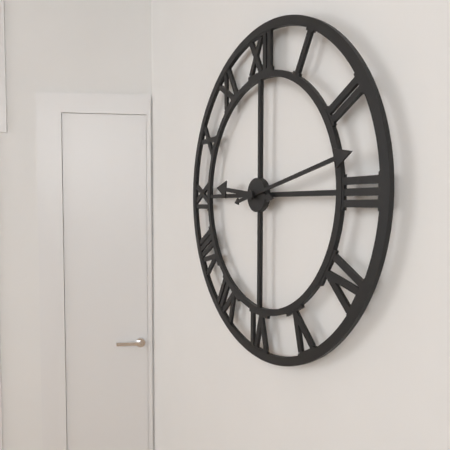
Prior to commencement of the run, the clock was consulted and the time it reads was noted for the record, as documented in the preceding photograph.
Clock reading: 9:13
